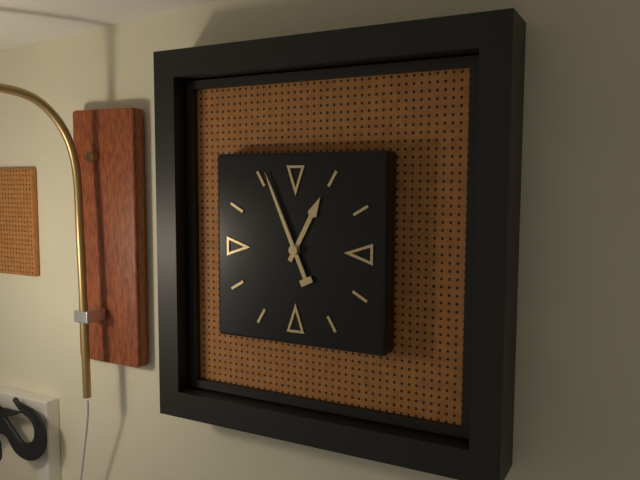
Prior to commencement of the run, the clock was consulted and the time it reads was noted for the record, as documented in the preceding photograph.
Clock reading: 12:56
